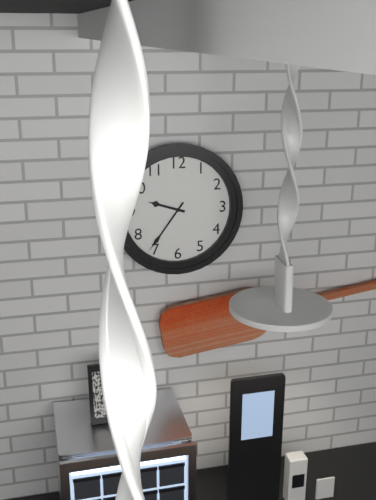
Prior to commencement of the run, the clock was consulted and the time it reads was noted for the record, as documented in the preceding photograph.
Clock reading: 9:36
